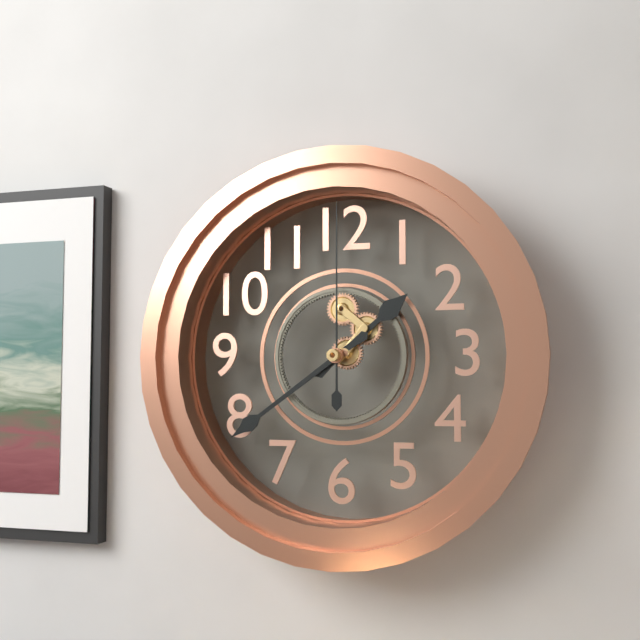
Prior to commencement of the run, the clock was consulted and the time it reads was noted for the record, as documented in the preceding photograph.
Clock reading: 1:39:00
